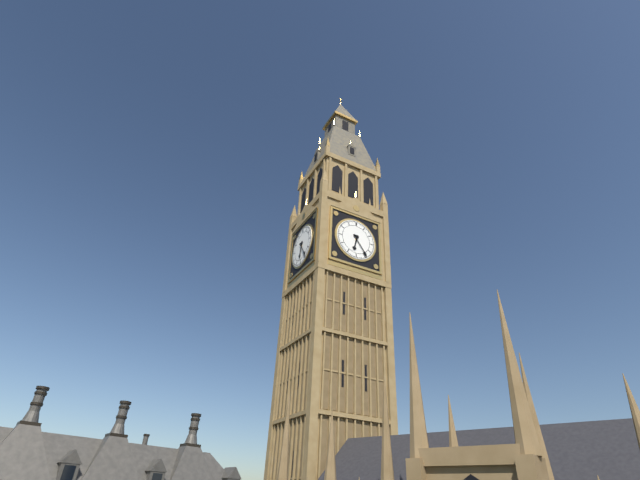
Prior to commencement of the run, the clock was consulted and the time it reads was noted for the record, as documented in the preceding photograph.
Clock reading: 6:24
